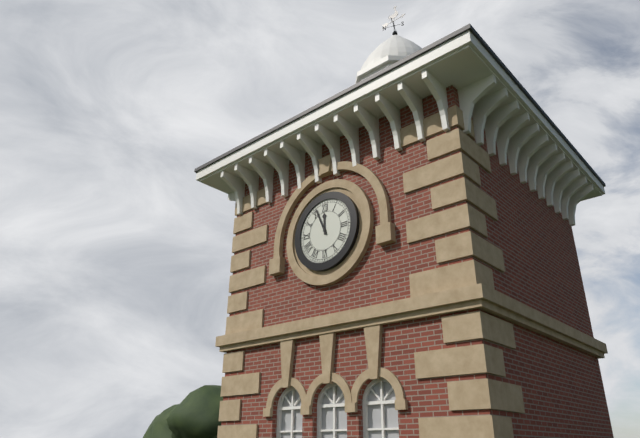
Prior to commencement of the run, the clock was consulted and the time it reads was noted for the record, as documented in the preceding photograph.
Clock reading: 11:56
